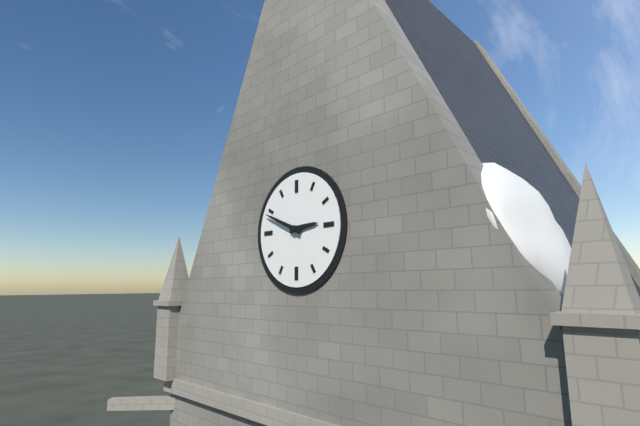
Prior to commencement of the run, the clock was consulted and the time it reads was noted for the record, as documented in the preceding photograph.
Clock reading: 2:49
